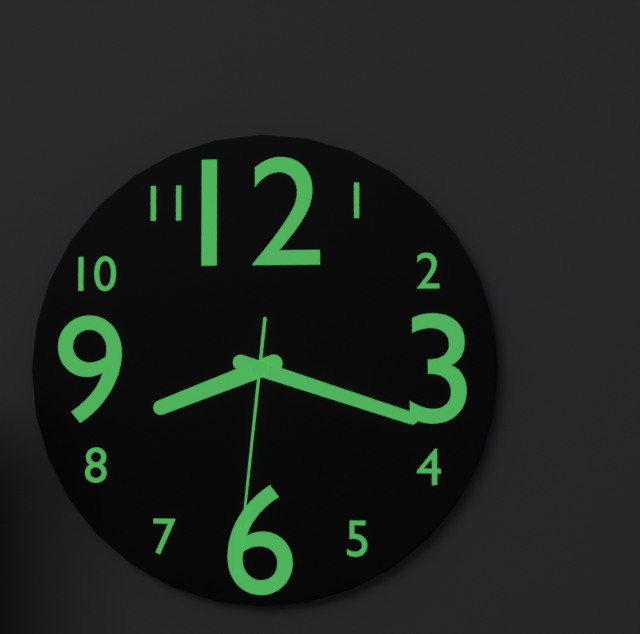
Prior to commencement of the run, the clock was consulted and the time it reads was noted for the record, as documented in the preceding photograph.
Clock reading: 8:18:31
